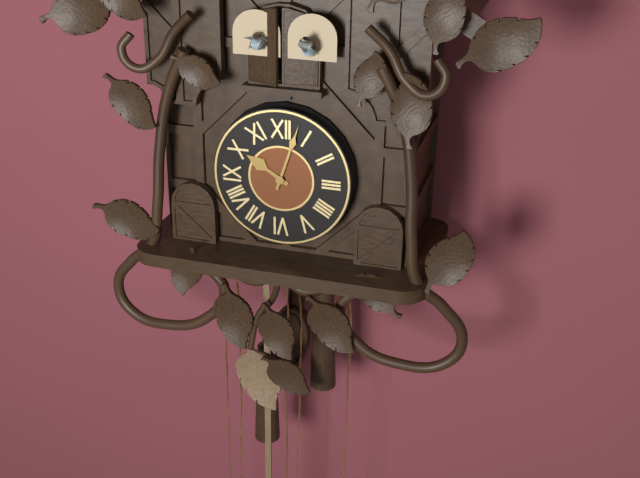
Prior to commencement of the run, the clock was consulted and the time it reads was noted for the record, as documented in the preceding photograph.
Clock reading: 10:03
